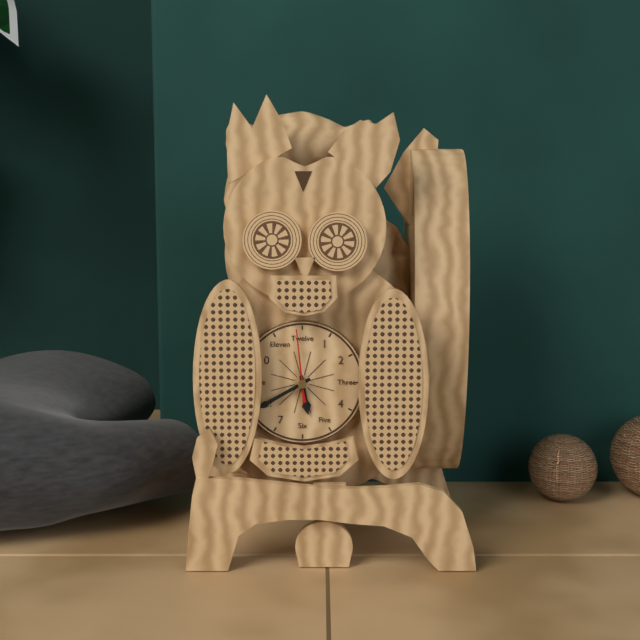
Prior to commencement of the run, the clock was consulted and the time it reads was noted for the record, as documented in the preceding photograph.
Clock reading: 5:40:59
